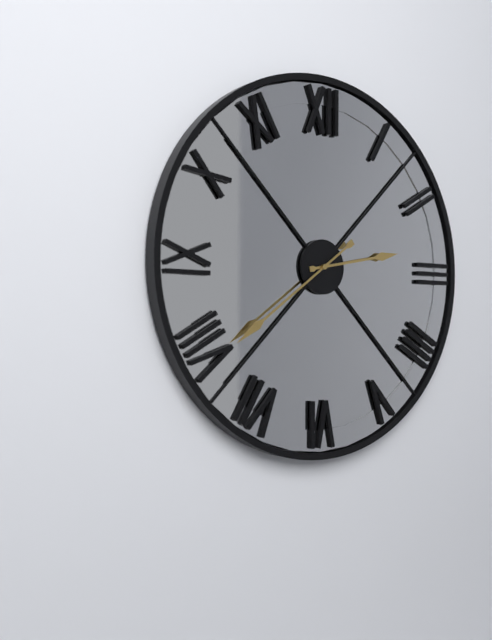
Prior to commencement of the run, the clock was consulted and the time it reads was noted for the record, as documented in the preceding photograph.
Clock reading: 2:39
